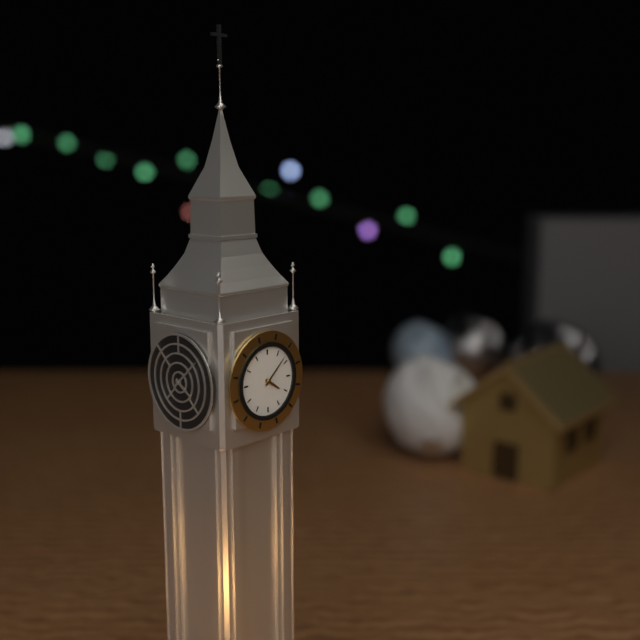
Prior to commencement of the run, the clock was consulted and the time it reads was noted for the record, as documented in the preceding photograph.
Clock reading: 4:08
